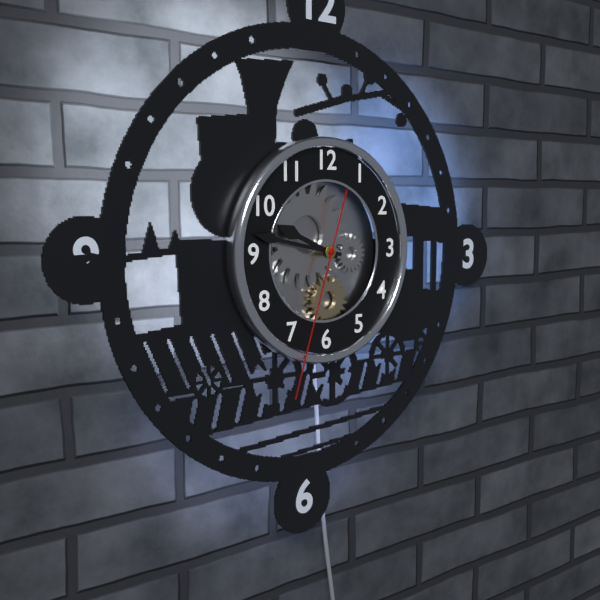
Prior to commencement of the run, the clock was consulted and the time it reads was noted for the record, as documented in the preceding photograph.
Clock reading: 9:47:33
